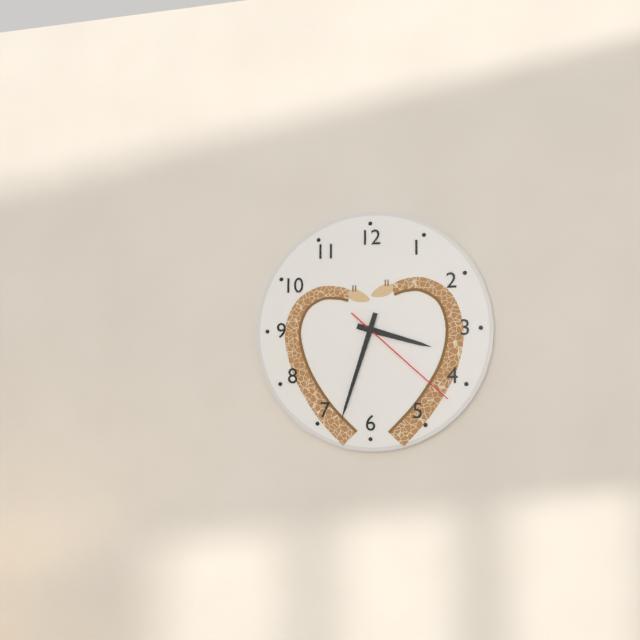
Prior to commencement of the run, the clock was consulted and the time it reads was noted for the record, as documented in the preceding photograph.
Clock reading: 3:33:22
